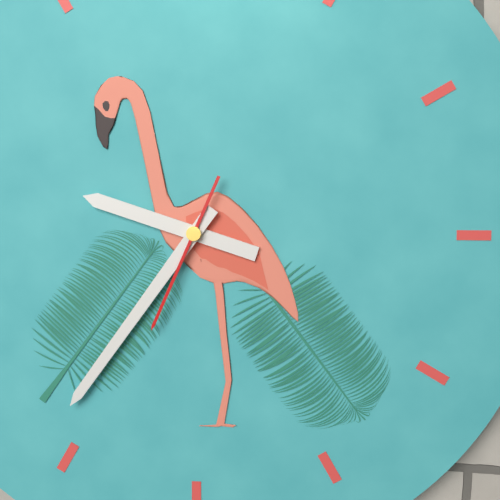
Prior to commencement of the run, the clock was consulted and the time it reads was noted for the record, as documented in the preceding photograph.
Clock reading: 9:36:34
